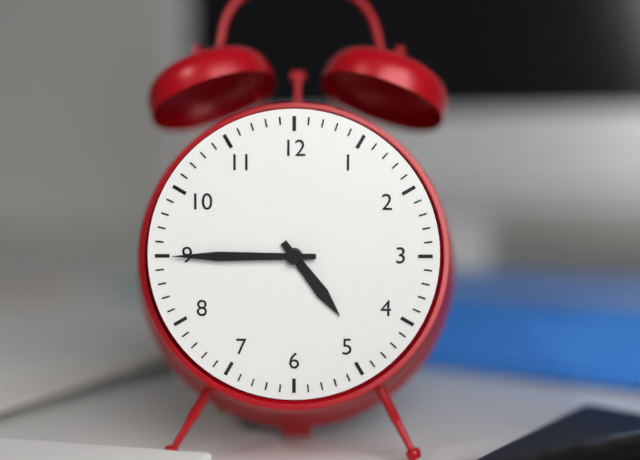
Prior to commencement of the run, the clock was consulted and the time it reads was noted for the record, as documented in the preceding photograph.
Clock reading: 4:45
